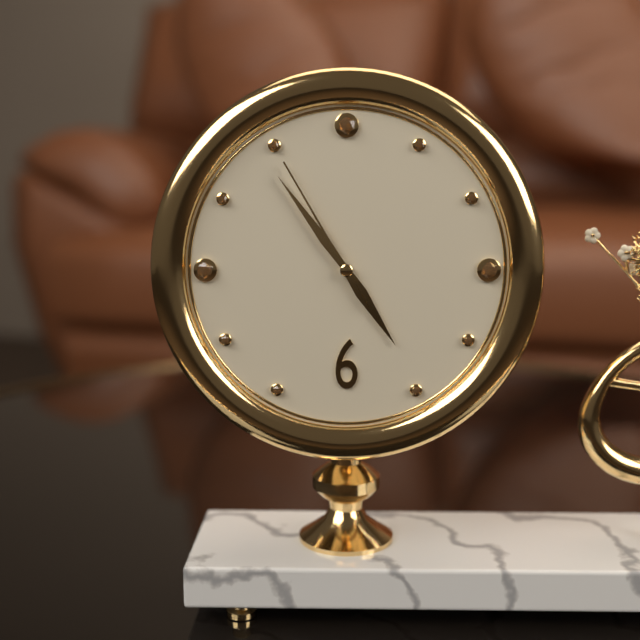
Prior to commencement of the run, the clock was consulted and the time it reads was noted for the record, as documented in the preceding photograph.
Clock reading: 4:54:55
